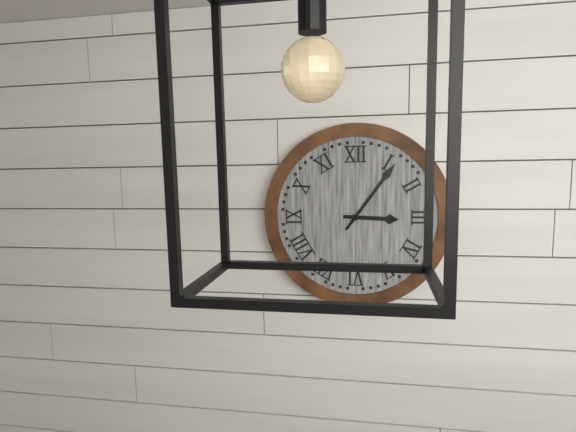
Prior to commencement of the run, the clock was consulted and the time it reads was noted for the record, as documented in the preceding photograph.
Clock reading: 3:06
